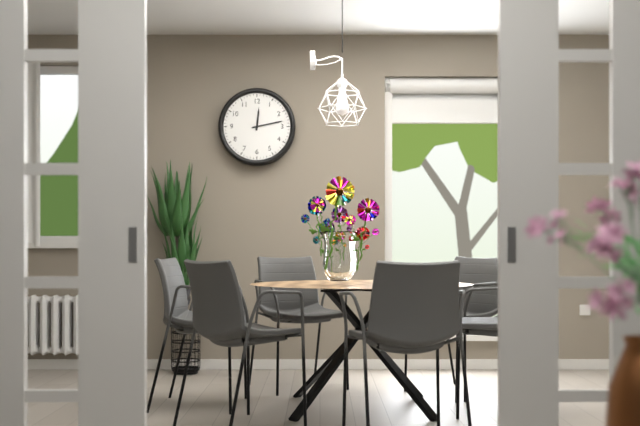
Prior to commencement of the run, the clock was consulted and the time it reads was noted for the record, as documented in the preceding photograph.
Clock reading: 12:13
